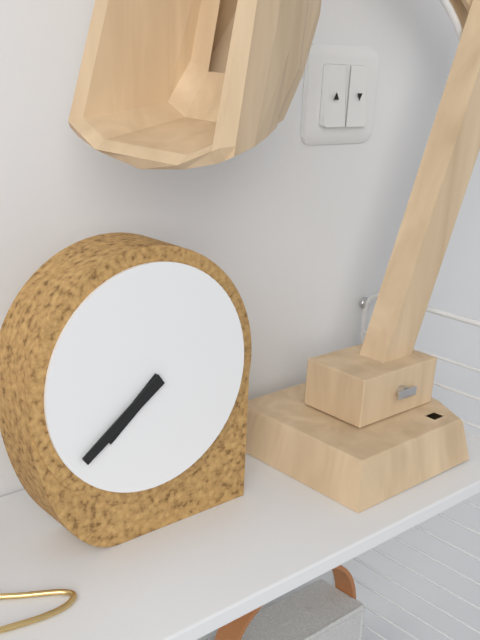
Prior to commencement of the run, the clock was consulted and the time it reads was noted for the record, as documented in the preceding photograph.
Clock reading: 7:39
